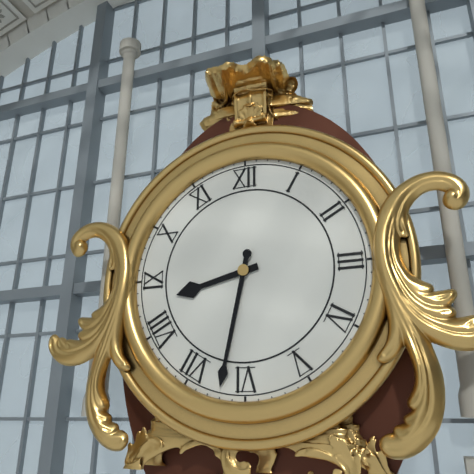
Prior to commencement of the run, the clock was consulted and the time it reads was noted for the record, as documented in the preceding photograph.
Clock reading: 8:32
